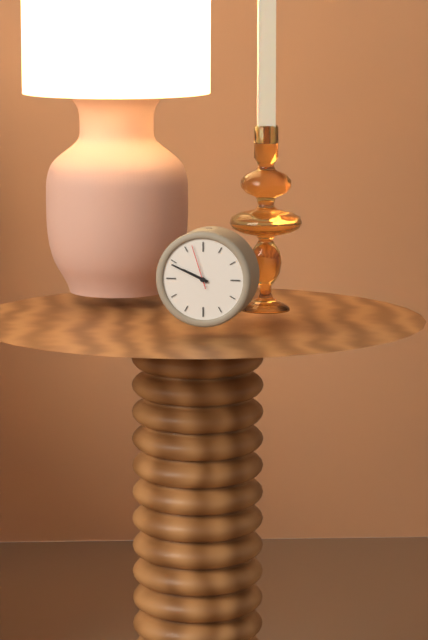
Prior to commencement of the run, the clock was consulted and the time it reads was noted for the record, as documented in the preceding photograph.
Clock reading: 9:49
